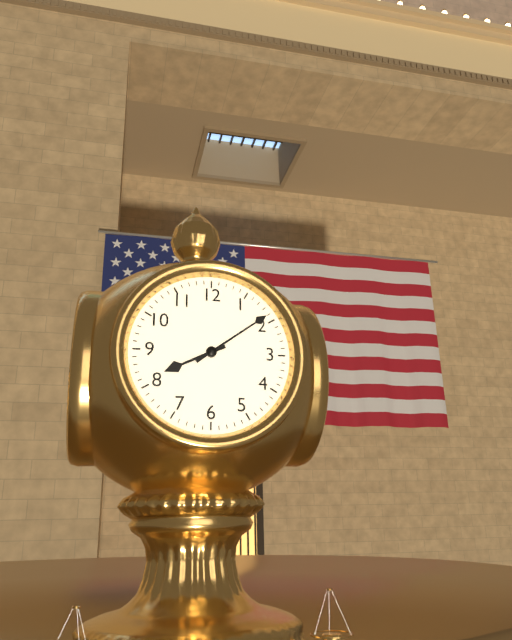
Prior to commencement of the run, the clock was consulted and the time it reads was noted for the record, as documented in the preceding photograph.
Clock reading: 8:09
